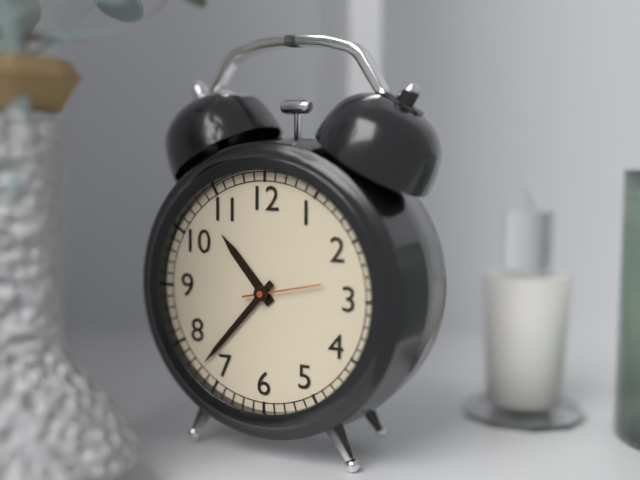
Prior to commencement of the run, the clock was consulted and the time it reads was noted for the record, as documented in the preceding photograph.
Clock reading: 10:37:13
